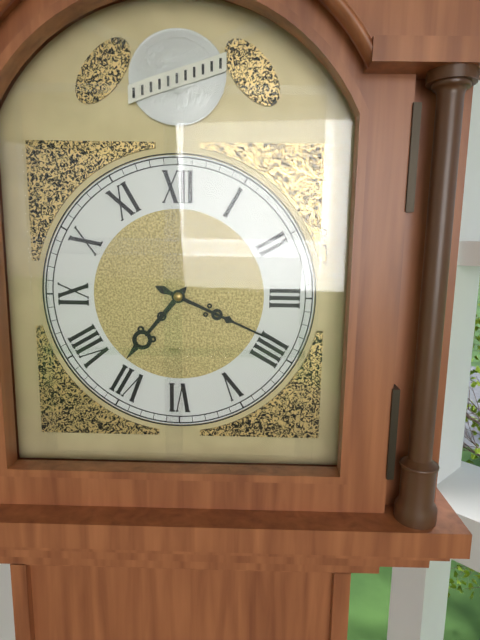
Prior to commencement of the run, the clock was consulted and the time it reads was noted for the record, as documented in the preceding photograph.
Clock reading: 7:19
